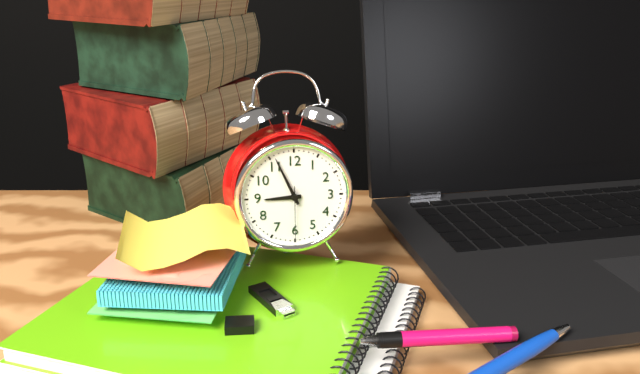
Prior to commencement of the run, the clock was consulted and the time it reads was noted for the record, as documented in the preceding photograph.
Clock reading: 8:56:30
